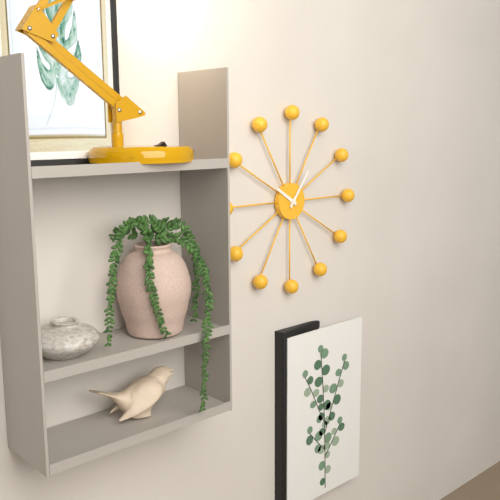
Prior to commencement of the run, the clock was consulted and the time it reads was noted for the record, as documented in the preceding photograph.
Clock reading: 10:06
